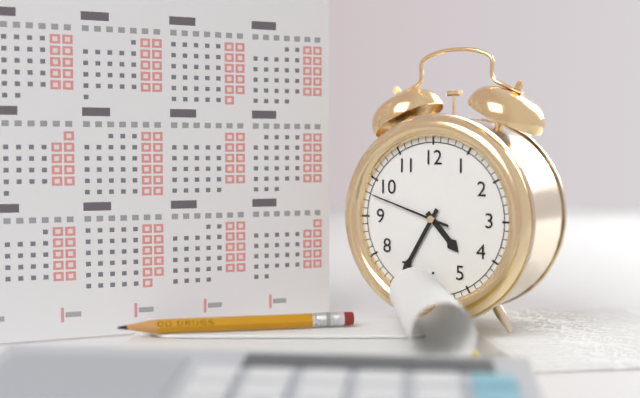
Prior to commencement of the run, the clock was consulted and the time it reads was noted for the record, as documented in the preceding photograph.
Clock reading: 4:35:48
